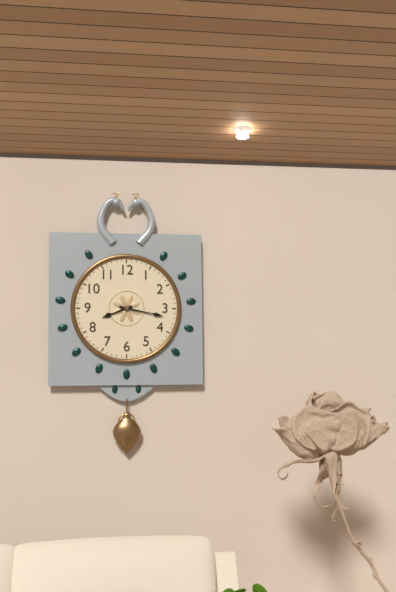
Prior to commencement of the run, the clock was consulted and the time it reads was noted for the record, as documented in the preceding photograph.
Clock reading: 8:17
